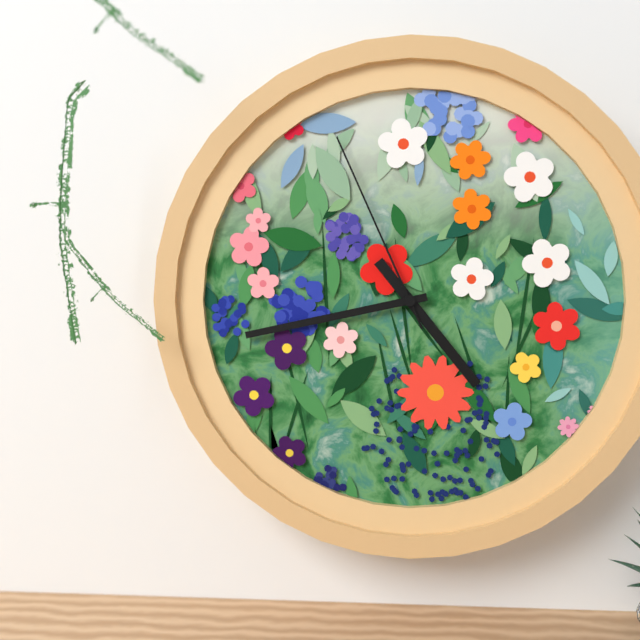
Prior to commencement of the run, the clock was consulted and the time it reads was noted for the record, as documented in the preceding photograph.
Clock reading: 4:43:56
